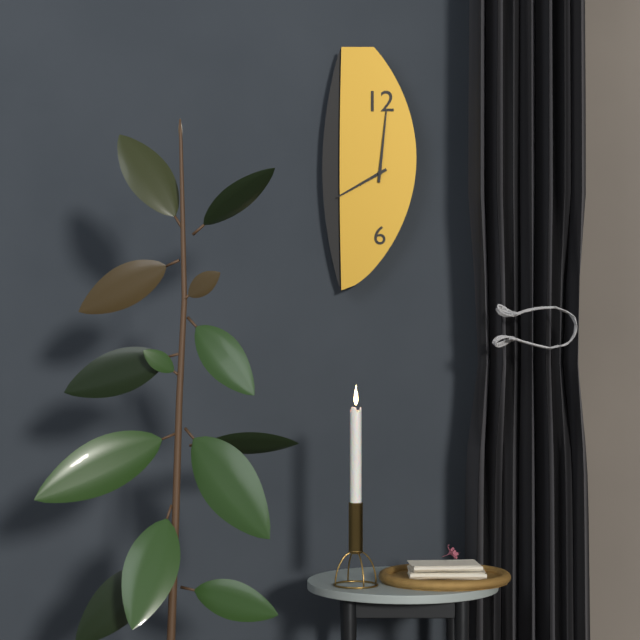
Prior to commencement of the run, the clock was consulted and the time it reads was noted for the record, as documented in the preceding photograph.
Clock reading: 8:01
